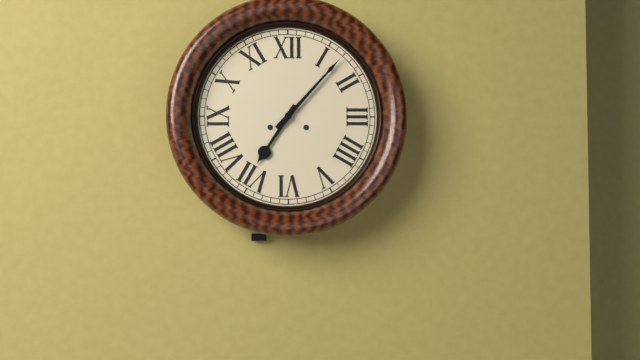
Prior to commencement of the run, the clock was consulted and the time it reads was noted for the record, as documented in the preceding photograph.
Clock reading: 7:07
